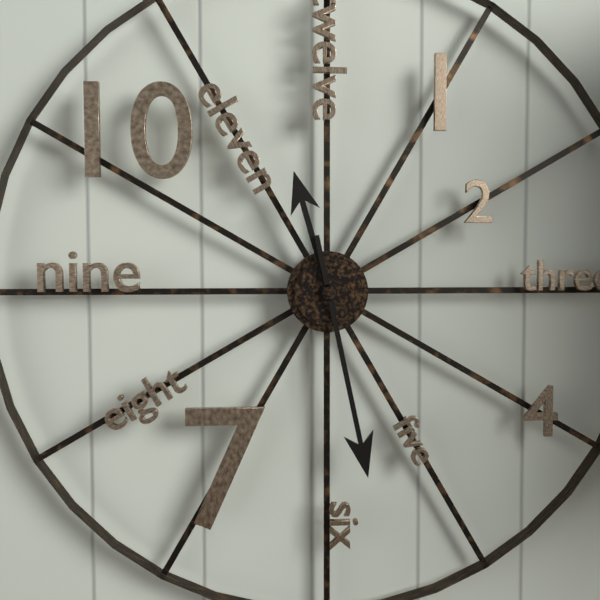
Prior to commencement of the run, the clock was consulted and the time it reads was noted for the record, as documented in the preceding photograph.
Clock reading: 11:28
